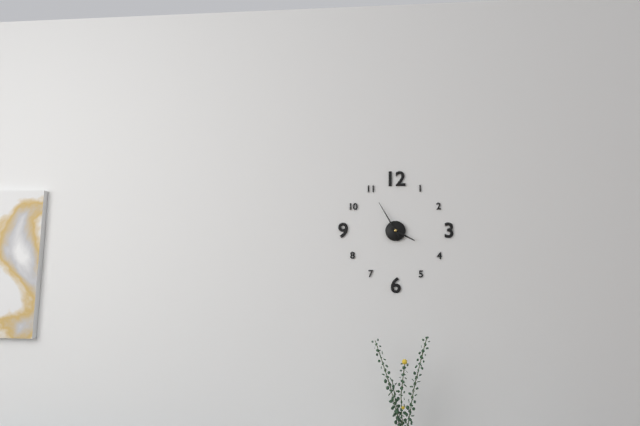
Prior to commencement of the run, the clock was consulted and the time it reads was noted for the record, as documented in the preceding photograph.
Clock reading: 3:55
